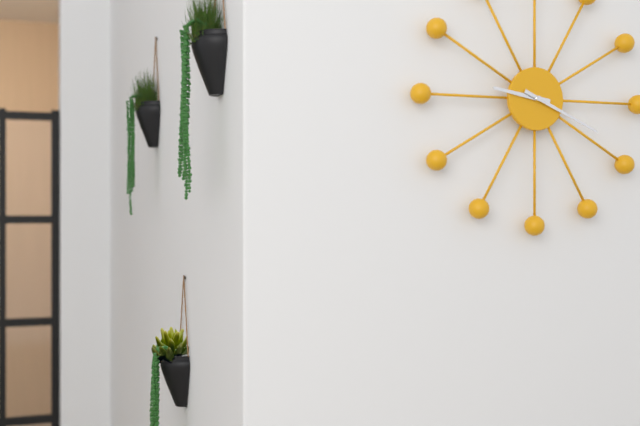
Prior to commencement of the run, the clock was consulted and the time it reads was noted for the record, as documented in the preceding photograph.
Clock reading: 9:19
